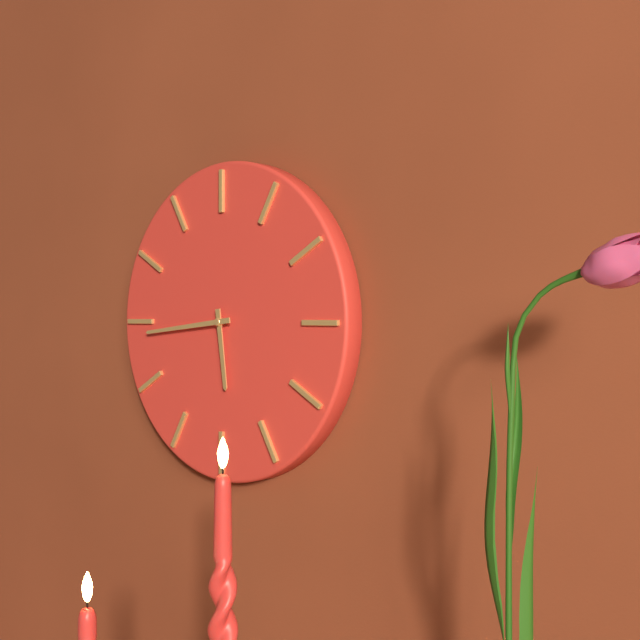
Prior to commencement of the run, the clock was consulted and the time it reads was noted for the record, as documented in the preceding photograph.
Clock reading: 5:44
